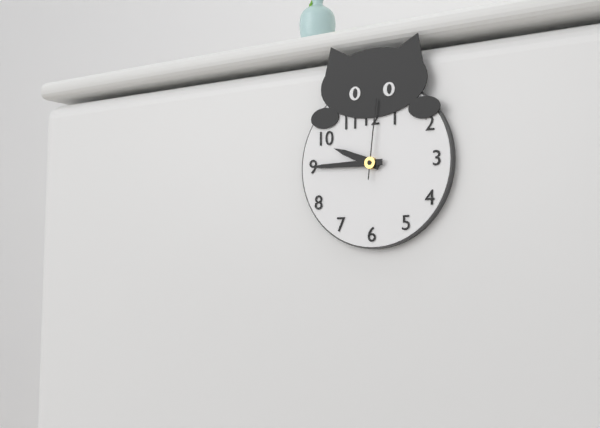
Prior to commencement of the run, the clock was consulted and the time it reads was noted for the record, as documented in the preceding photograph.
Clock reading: 9:45:01
